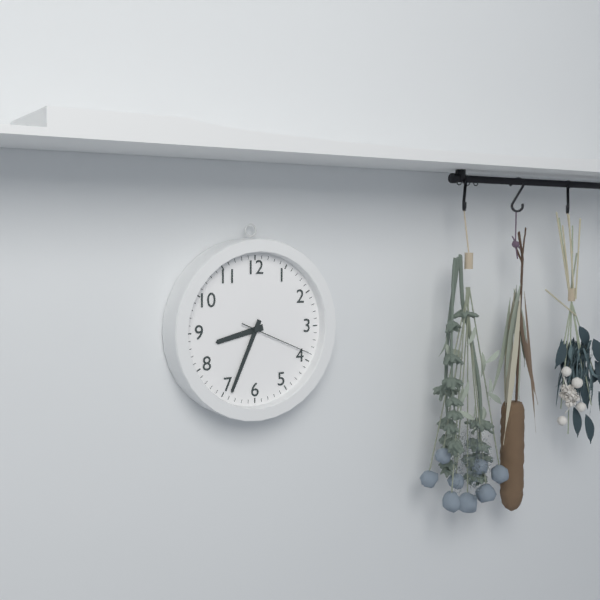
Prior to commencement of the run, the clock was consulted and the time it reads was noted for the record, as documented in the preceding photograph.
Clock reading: 8:34:19
